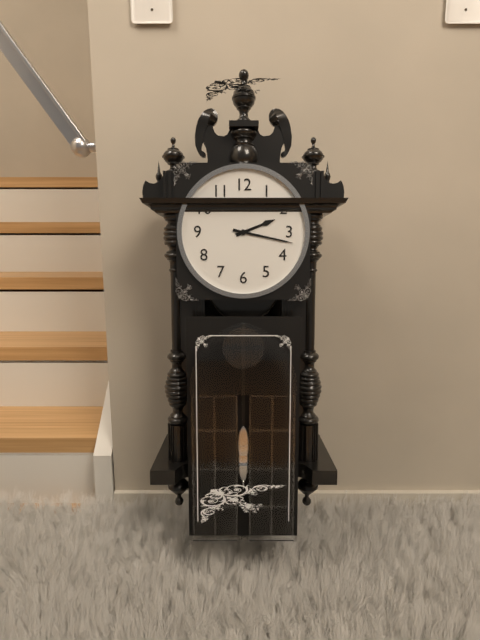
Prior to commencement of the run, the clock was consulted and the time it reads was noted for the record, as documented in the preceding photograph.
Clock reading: 2:17
